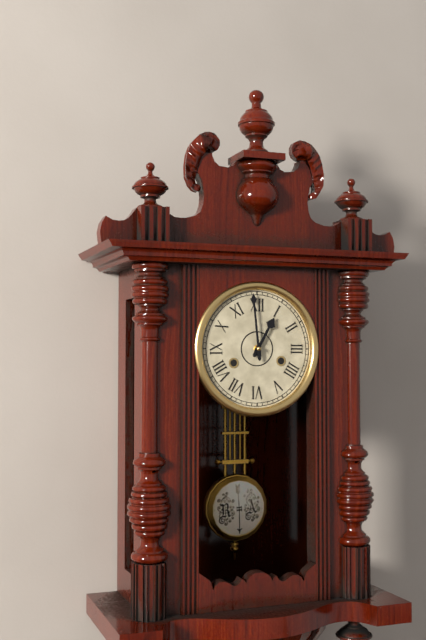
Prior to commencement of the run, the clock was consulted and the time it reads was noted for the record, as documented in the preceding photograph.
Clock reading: 12:59
